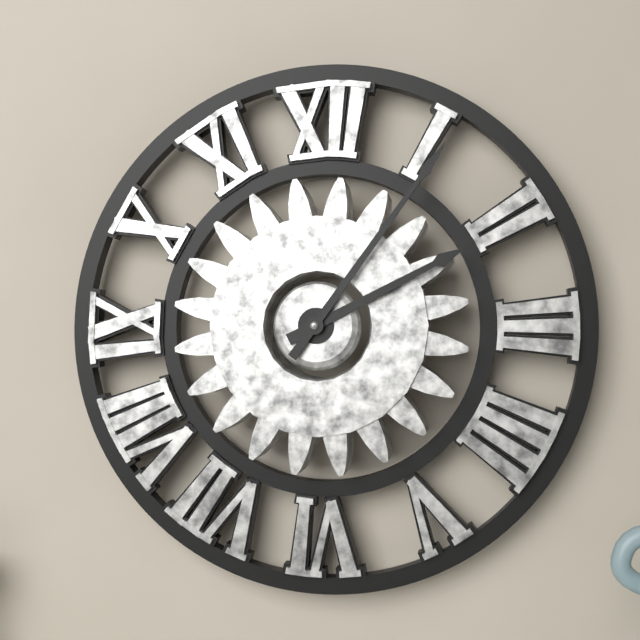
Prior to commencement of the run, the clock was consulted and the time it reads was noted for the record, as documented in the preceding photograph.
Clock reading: 2:06
